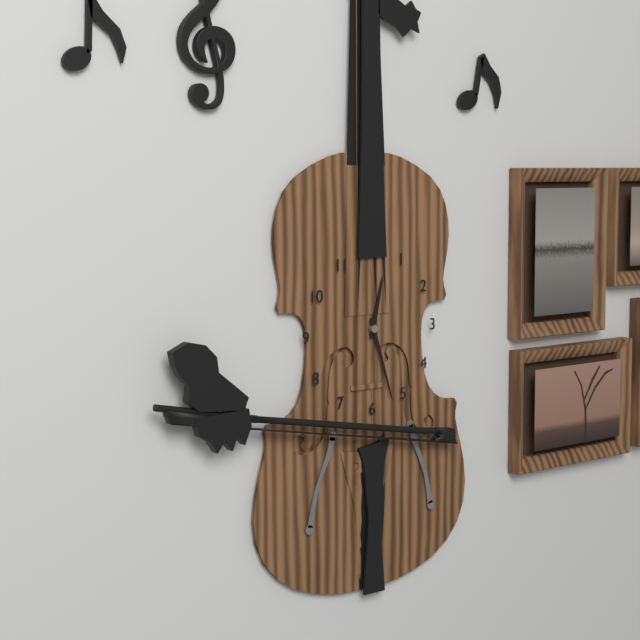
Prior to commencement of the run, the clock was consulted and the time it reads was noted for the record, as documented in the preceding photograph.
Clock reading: 12:27
